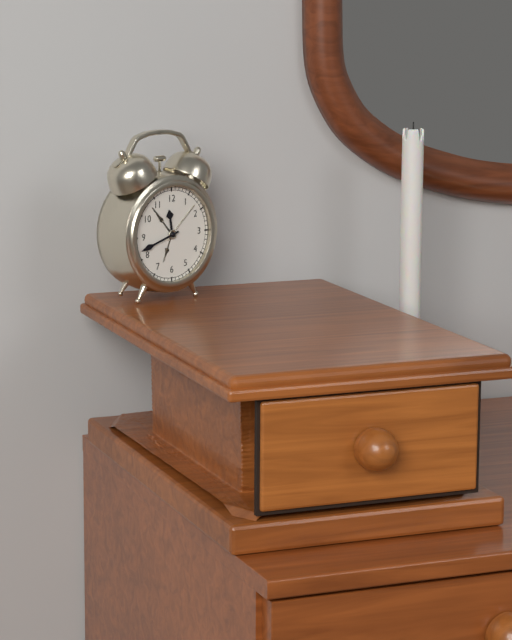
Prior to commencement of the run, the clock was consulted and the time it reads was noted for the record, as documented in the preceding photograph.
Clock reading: 11:42
